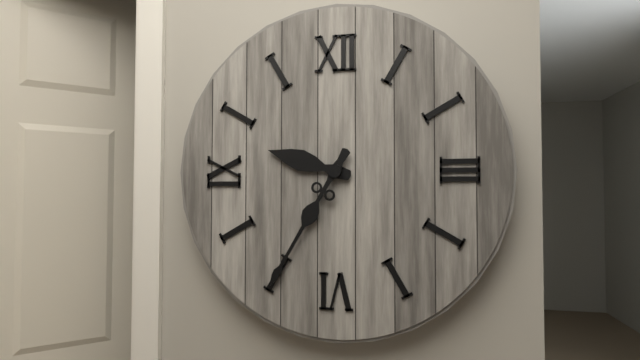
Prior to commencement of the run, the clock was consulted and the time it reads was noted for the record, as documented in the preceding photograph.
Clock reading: 9:35
